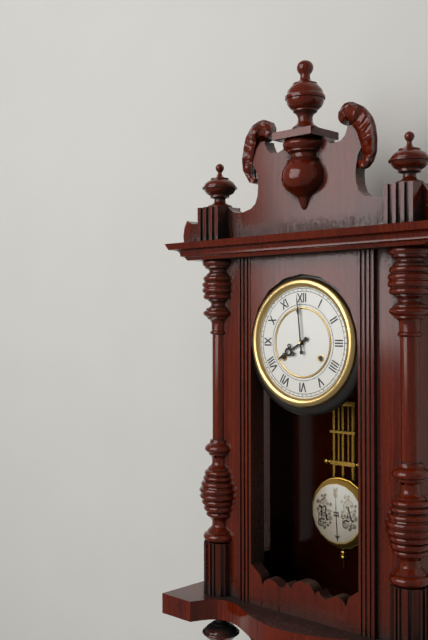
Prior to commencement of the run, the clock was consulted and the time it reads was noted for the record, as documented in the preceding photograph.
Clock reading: 7:59
